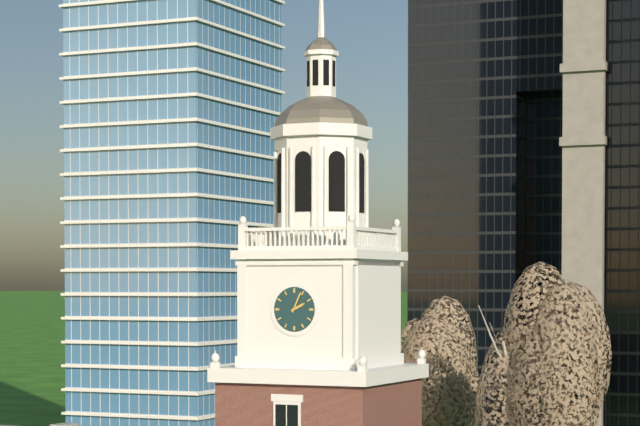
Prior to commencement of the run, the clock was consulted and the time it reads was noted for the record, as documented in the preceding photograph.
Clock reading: 2:04
